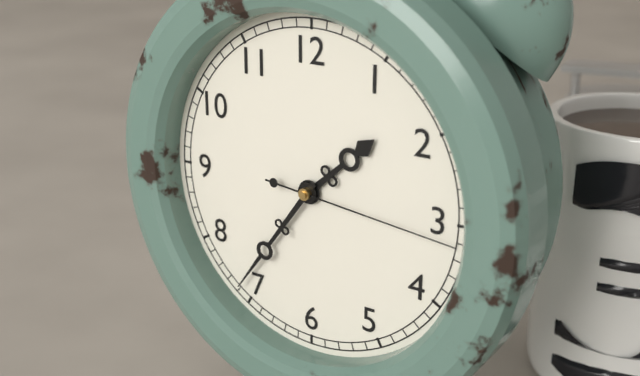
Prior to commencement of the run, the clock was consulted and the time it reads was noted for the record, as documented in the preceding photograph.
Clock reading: 1:36:16
